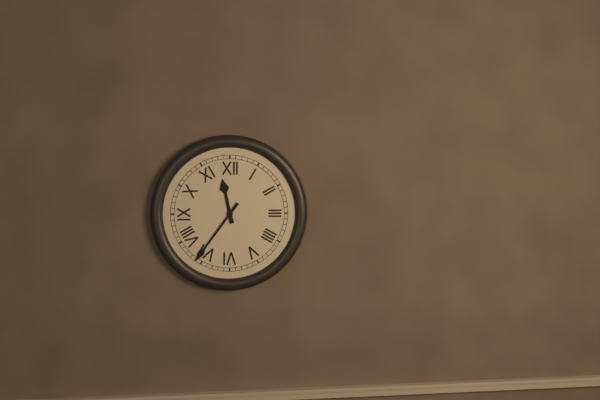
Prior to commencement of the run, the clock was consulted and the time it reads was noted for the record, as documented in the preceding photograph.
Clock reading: 11:36
